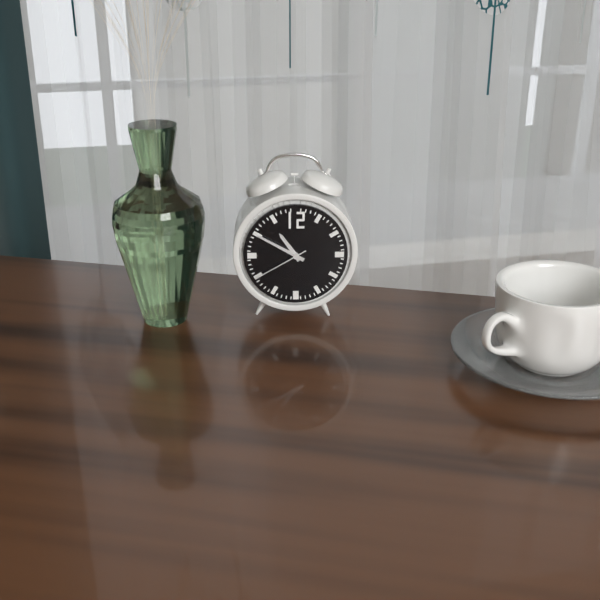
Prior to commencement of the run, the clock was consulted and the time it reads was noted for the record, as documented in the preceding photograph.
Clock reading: 10:50:40
